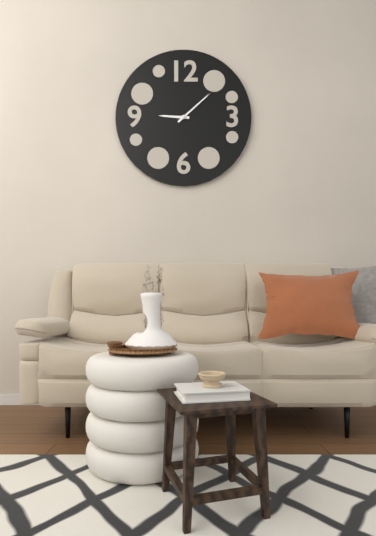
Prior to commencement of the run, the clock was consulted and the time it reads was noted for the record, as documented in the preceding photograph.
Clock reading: 9:08
